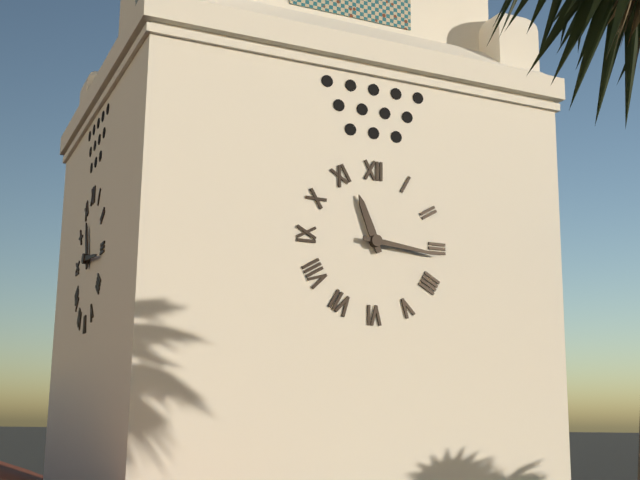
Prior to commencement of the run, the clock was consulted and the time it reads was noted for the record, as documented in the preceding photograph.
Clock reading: 11:16
